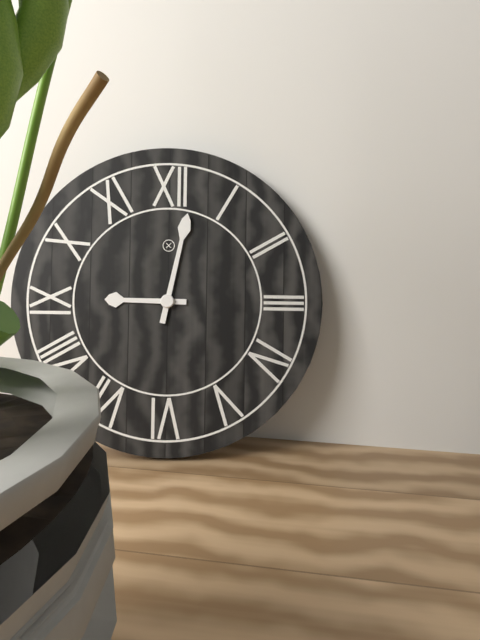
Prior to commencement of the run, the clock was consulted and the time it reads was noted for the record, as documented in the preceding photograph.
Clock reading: 9:02
